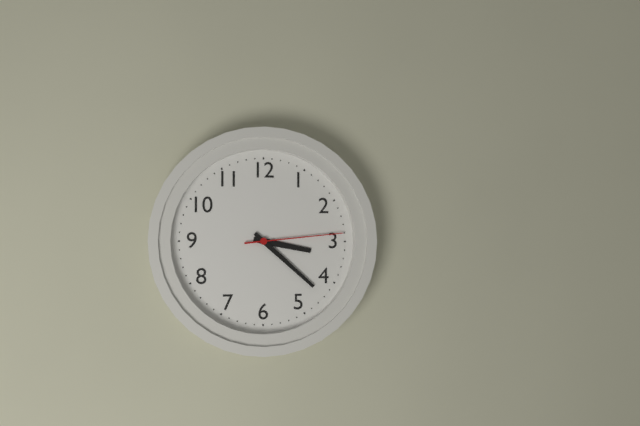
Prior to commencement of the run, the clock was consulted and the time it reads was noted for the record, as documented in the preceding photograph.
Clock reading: 3:22:14
